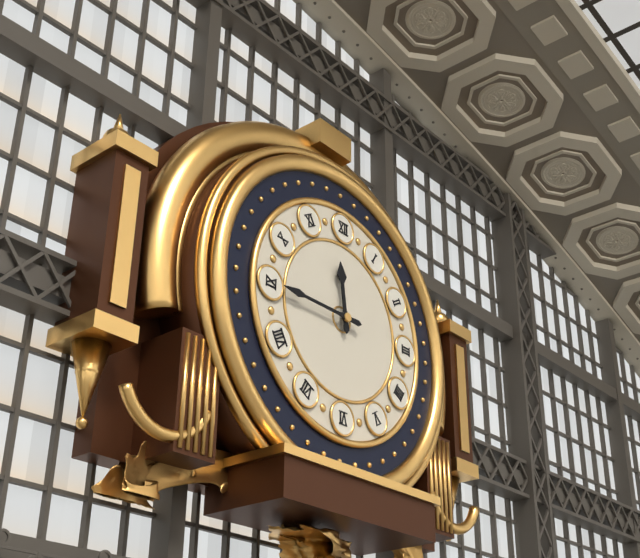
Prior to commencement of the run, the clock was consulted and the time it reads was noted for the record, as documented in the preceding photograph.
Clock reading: 11:45
